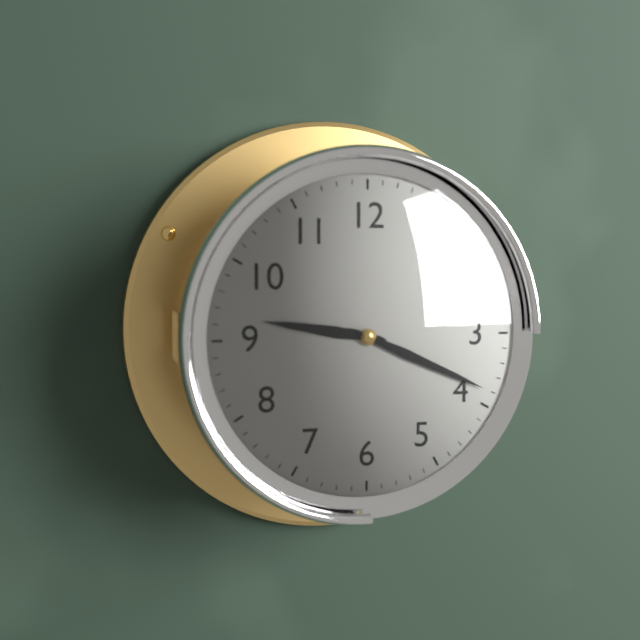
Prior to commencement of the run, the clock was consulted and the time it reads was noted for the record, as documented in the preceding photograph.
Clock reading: 9:19
